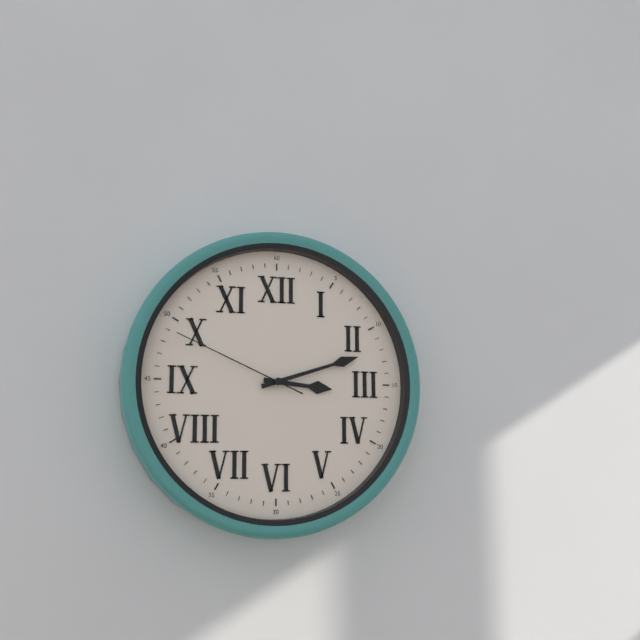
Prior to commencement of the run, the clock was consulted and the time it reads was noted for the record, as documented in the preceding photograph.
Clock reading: 3:12:49
